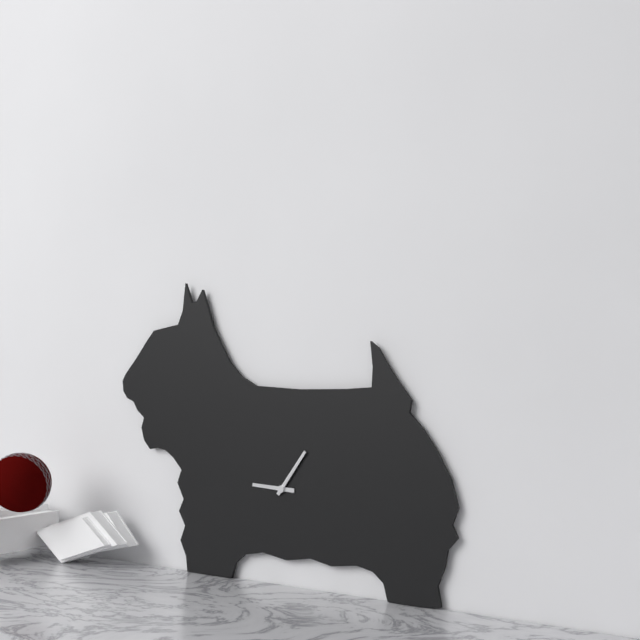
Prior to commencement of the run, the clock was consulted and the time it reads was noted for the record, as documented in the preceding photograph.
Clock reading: 9:06
